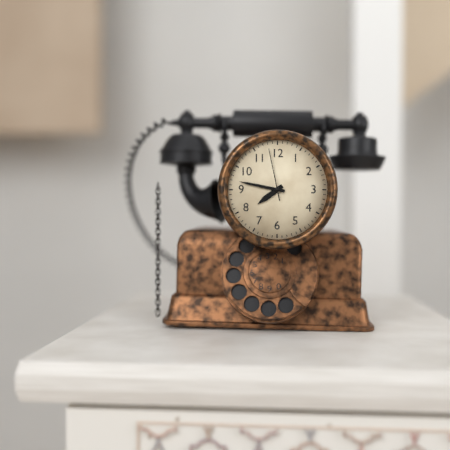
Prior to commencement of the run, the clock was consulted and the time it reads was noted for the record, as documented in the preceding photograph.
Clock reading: 7:47:58
